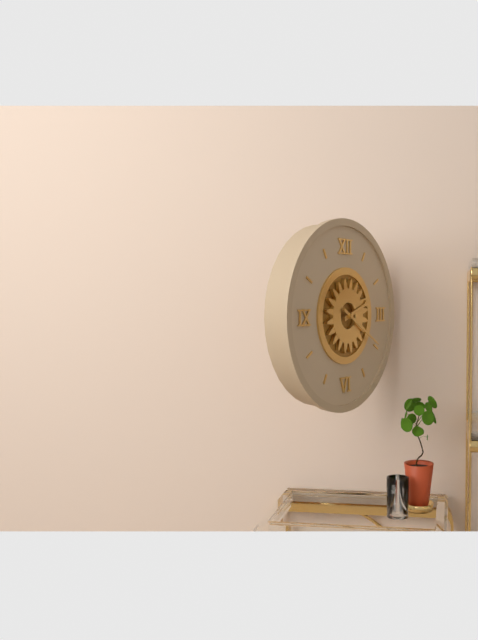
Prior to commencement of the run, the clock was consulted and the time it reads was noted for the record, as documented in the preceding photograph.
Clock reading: 2:20
